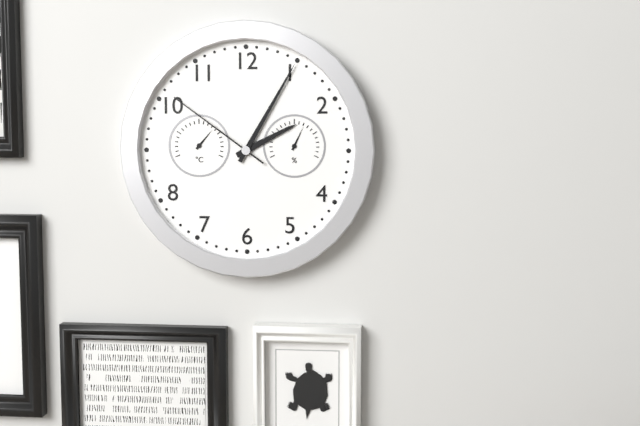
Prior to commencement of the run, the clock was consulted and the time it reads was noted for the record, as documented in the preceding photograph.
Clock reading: 2:05:51
